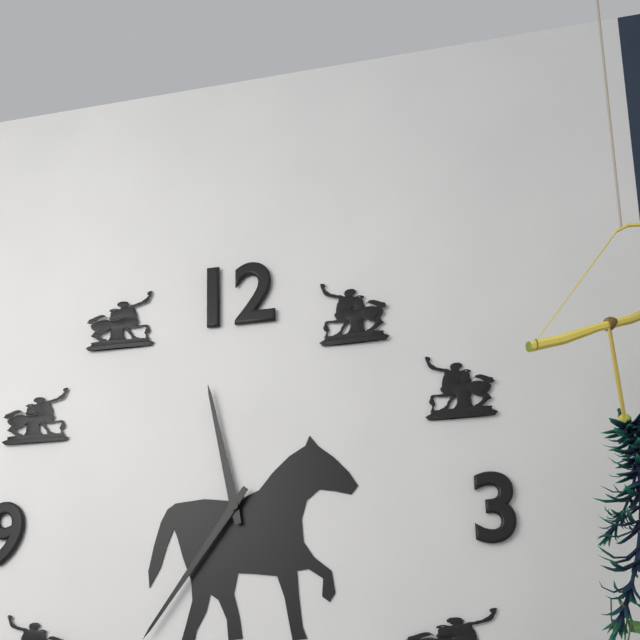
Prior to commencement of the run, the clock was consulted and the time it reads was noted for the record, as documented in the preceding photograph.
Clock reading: 11:36
